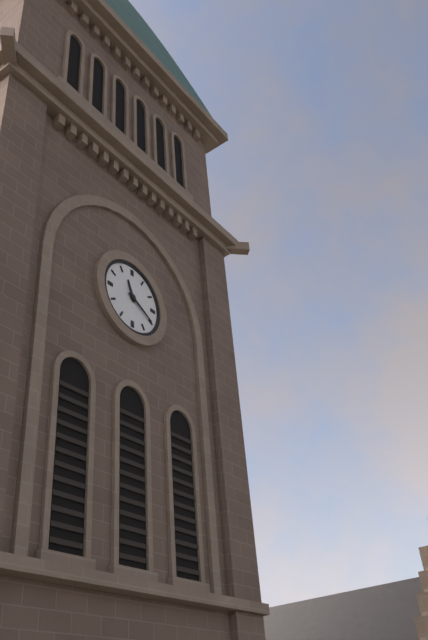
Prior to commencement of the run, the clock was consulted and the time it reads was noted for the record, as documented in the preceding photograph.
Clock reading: 11:20
